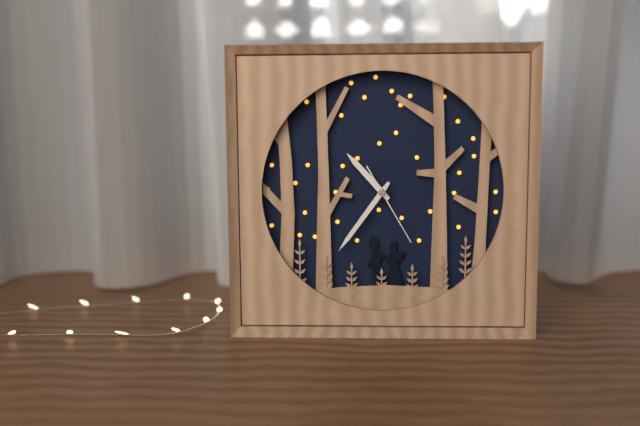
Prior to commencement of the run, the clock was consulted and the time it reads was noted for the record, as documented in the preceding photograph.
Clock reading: 10:36:25
